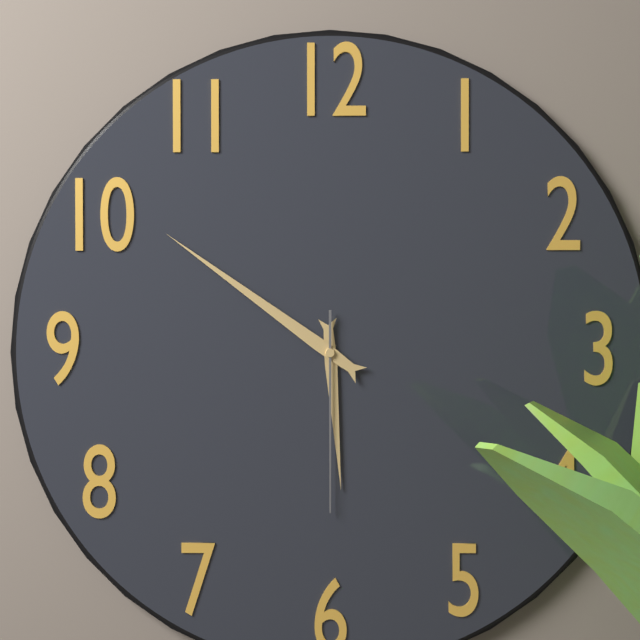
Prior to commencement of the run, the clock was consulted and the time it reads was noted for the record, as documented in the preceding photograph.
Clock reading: 5:51:30
